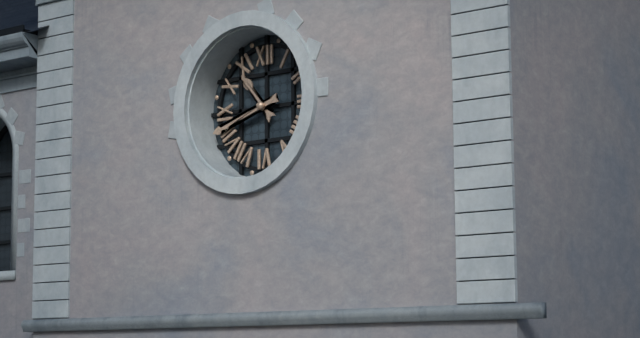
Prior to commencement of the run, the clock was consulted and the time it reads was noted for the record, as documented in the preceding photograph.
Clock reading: 10:42
